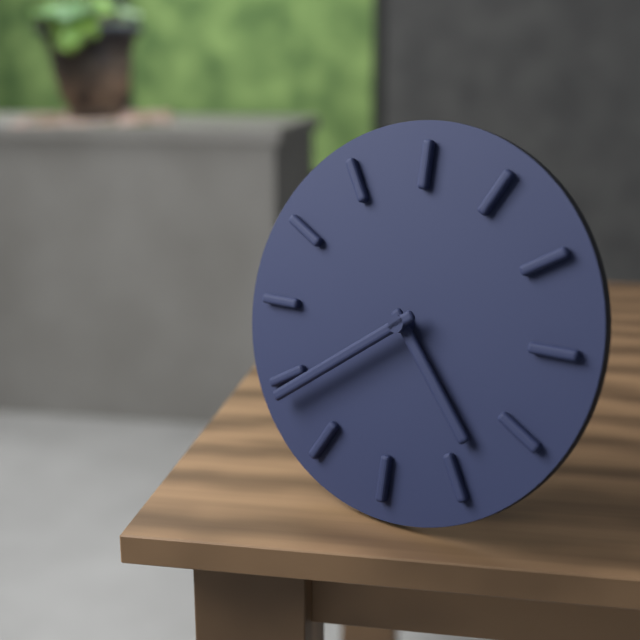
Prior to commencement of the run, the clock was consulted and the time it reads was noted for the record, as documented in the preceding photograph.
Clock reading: 4:39
